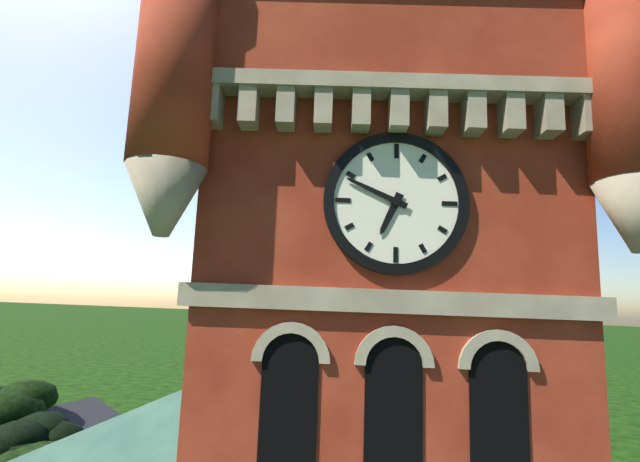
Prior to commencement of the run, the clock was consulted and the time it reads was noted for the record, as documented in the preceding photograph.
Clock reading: 6:49
